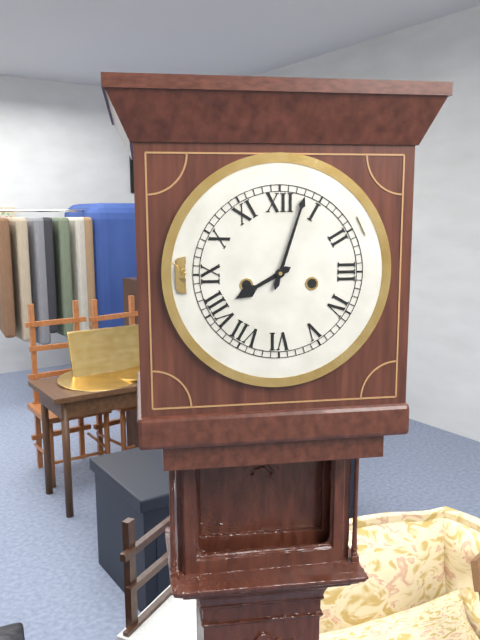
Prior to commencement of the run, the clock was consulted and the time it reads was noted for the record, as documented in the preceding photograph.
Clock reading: 8:03
